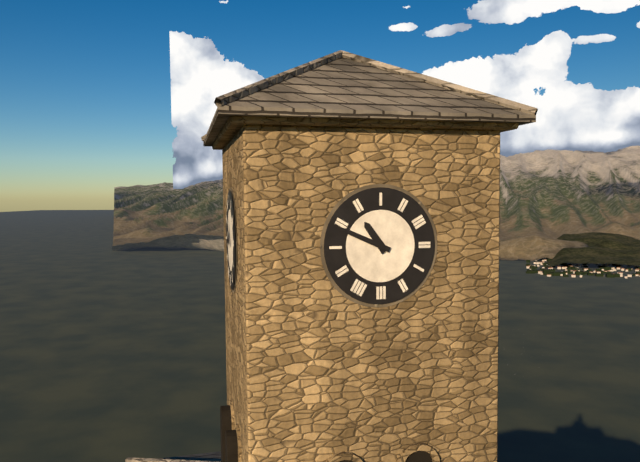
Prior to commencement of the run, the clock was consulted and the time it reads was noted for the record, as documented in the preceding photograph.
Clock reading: 10:49
